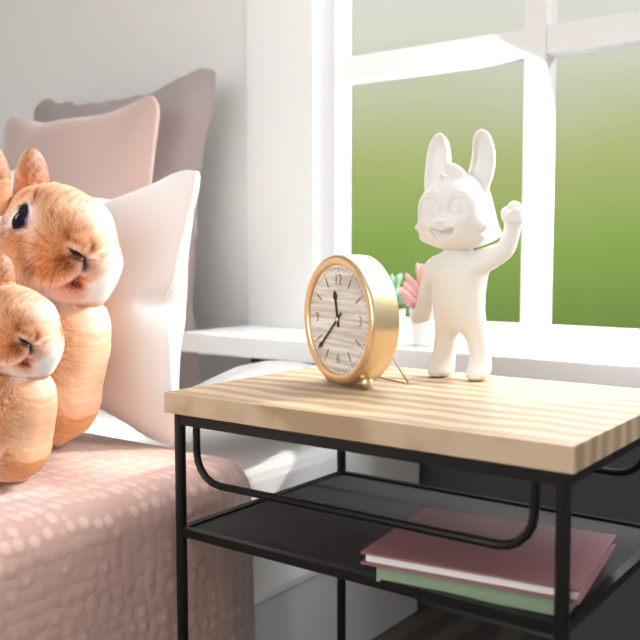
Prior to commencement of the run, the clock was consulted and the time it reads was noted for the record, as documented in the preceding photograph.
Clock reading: 11:38
